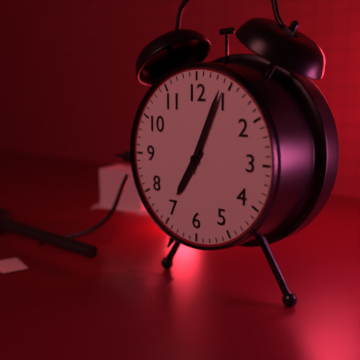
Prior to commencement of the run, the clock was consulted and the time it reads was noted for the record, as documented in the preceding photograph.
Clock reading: 7:04
